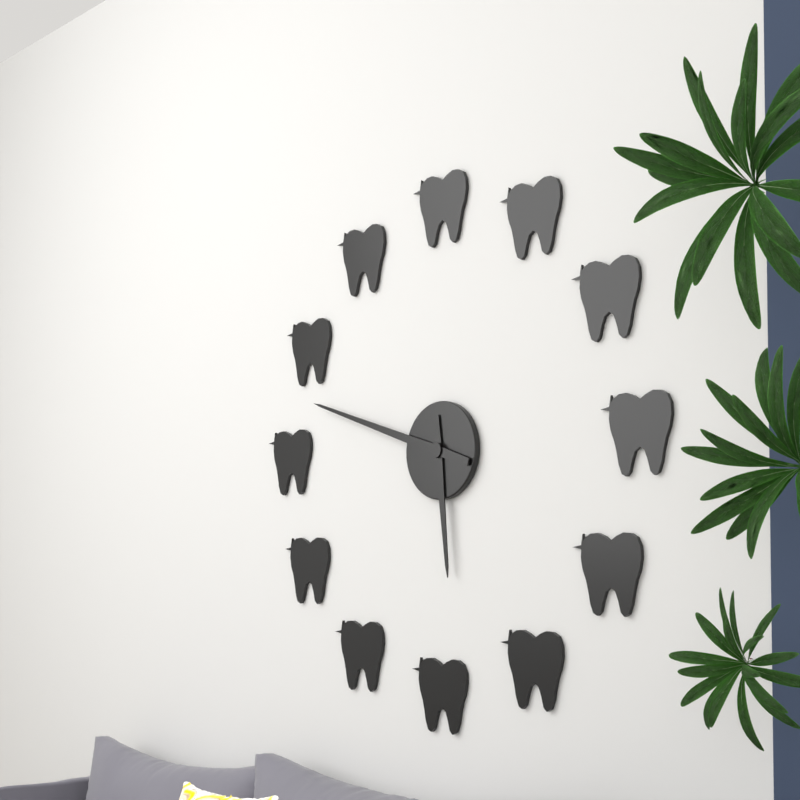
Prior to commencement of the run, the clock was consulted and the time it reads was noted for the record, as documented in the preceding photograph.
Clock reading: 5:48
